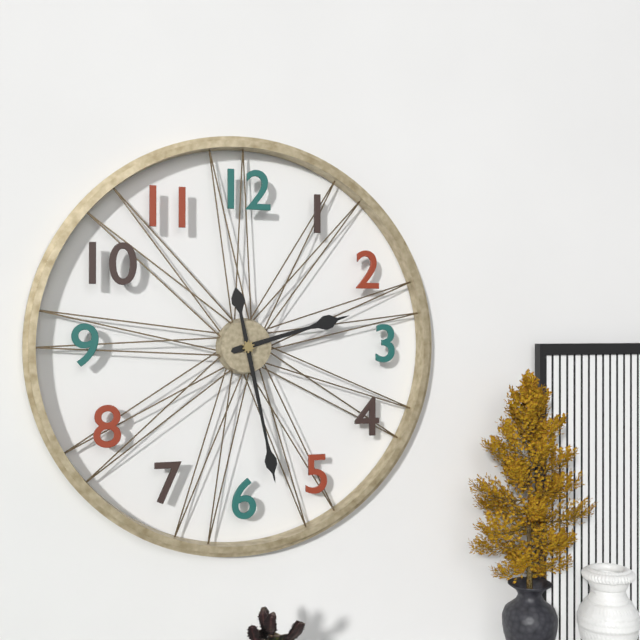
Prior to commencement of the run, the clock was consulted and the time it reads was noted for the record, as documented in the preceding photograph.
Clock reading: 2:28
